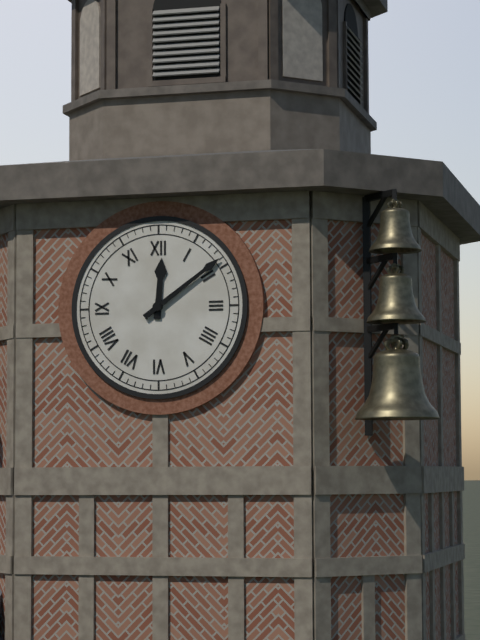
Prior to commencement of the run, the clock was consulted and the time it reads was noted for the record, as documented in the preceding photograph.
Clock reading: 12:09
